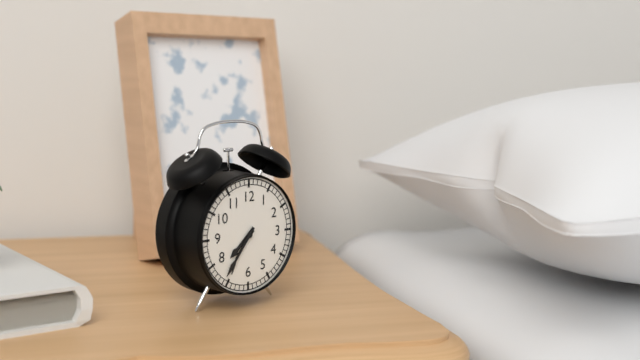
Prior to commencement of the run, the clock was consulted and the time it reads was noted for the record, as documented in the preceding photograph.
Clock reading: 7:36
